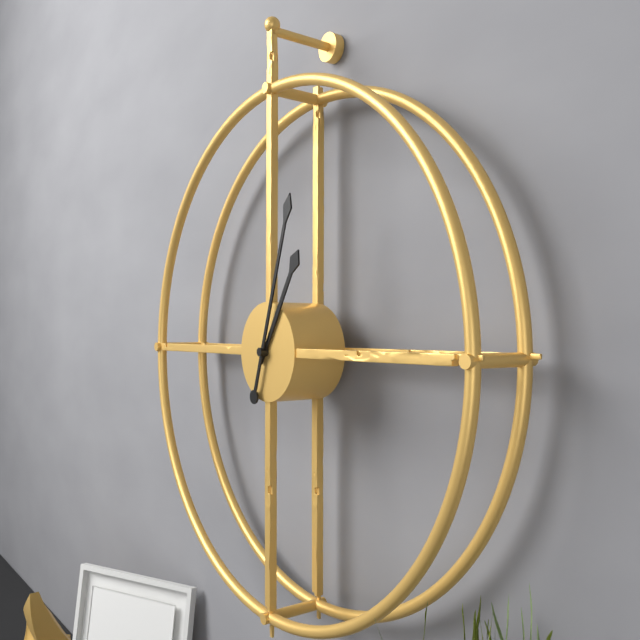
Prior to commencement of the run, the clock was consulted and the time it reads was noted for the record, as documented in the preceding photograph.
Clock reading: 1:03
